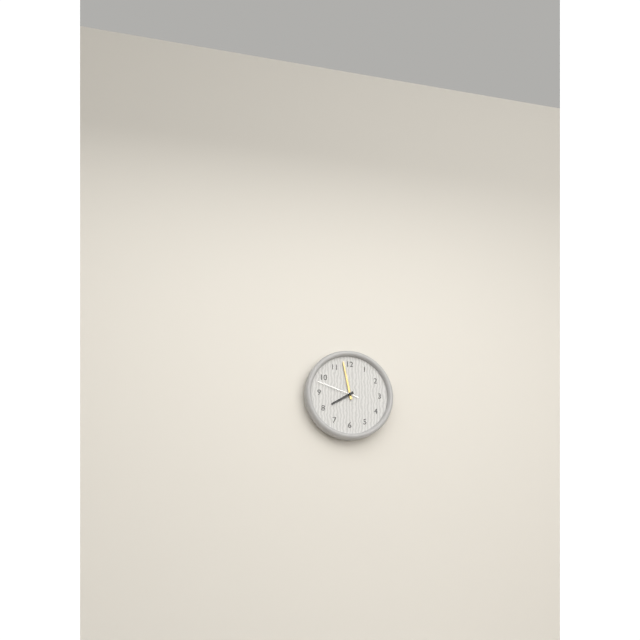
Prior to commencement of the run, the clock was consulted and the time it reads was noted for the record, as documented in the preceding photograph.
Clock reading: 7:58
